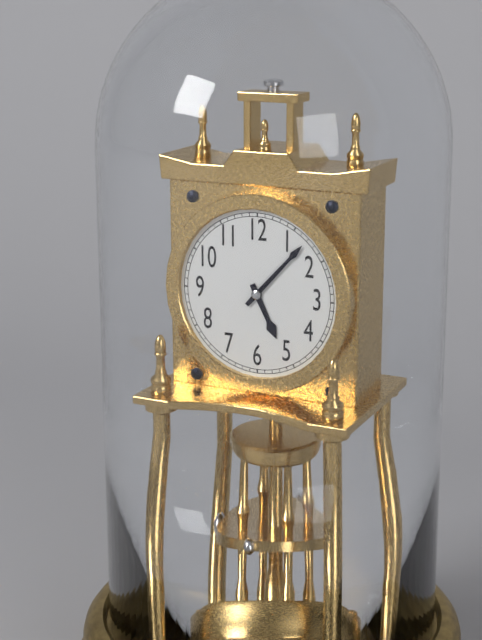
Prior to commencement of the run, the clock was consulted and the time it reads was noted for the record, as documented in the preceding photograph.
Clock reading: 5:07
